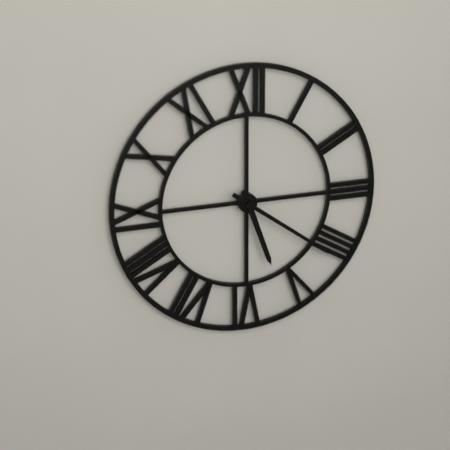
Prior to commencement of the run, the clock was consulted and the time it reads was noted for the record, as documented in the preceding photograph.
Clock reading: 5:21
